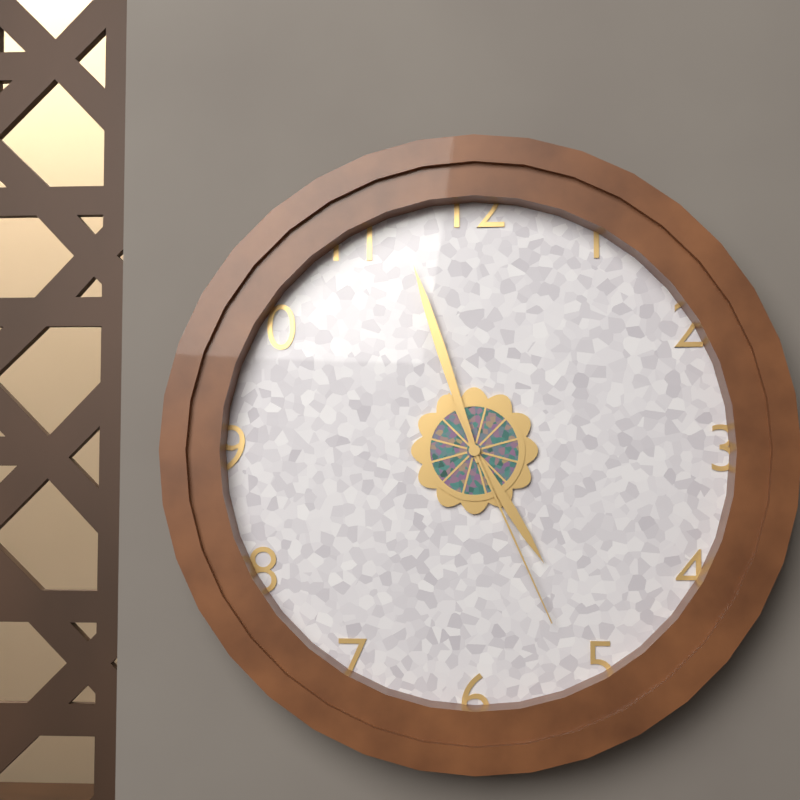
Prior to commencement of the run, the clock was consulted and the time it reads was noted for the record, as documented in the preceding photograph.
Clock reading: 4:57:26
